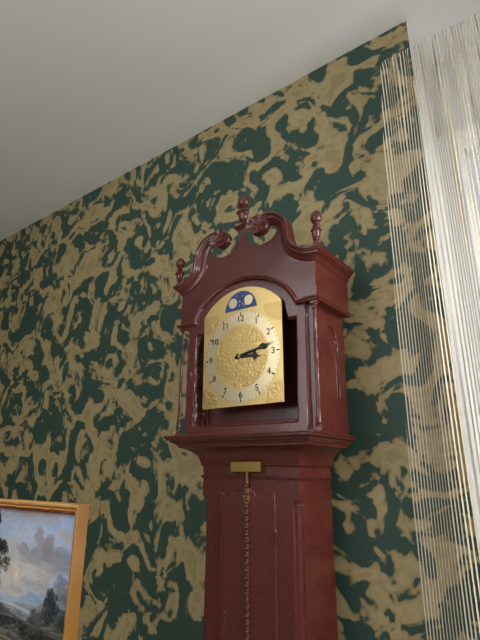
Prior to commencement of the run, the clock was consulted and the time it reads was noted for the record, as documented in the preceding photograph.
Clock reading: 3:13
